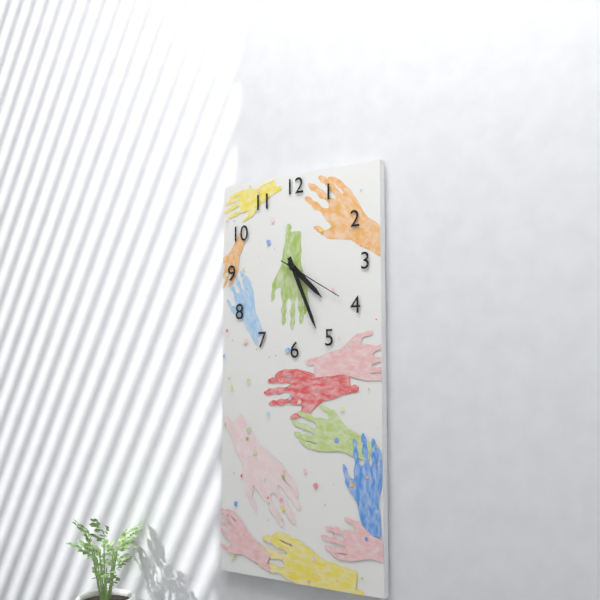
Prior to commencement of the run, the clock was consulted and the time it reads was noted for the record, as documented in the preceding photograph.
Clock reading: 4:26:20
